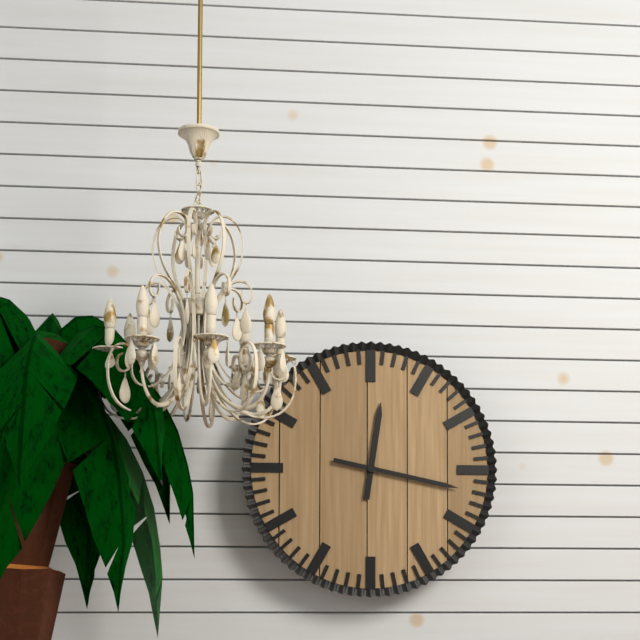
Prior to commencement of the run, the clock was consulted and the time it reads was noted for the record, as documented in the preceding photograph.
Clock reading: 12:17
